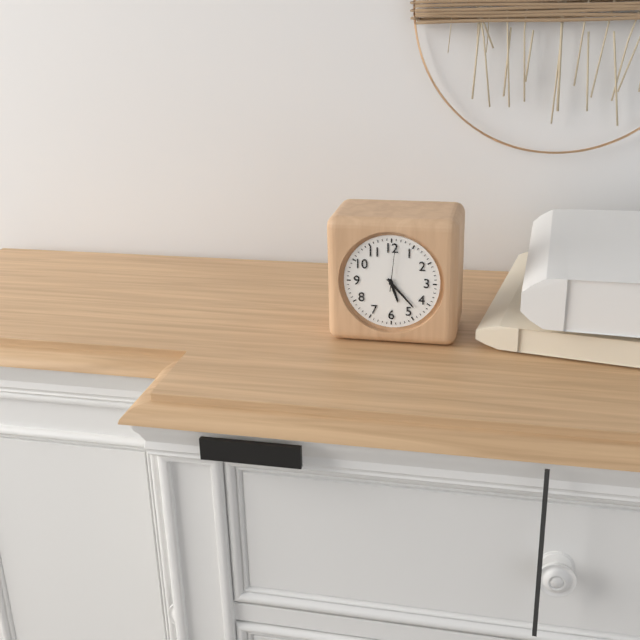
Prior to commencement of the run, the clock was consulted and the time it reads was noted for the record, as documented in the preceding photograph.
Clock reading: 5:23
